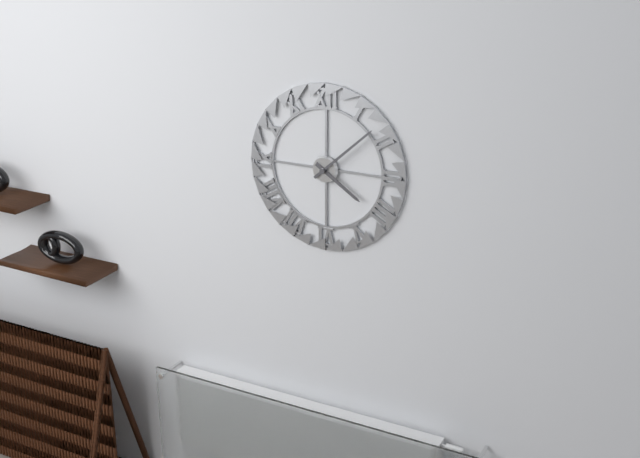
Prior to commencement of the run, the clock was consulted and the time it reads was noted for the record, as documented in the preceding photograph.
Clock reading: 4:08
